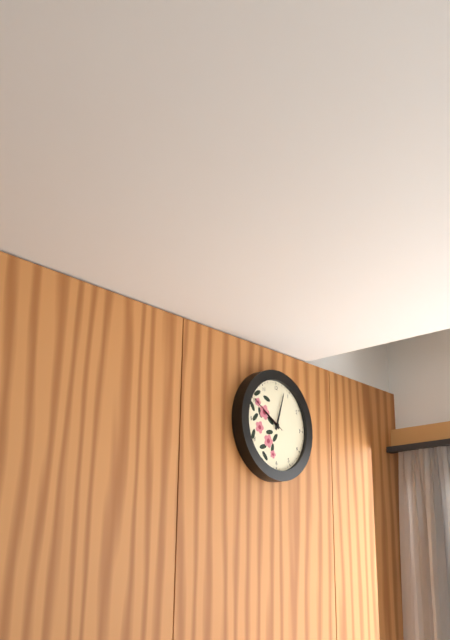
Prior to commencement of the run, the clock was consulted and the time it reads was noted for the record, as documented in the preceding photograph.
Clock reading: 10:03
